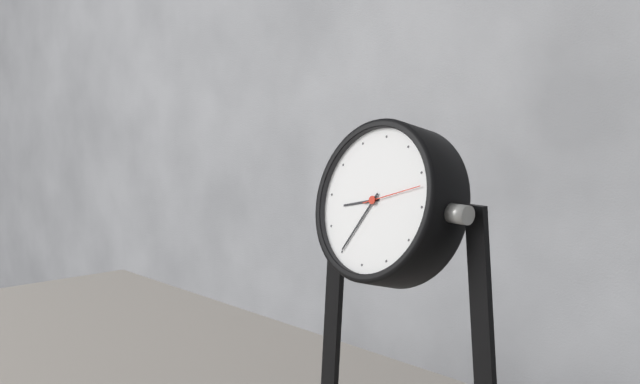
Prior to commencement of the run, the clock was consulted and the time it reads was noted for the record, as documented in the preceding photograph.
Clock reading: 8:35:12
